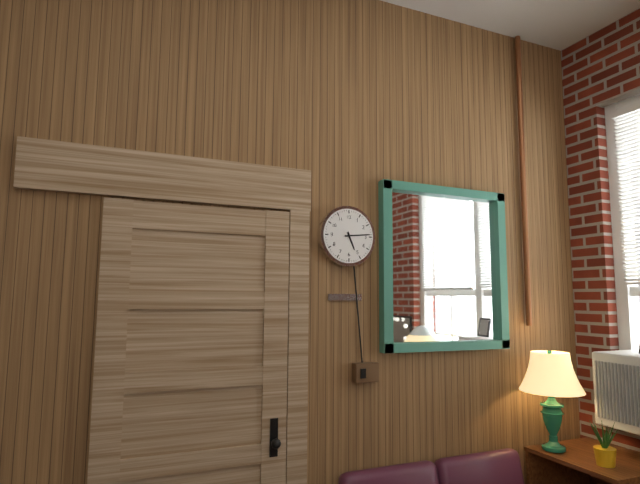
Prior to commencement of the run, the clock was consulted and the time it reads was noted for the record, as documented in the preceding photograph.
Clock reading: 5:14
